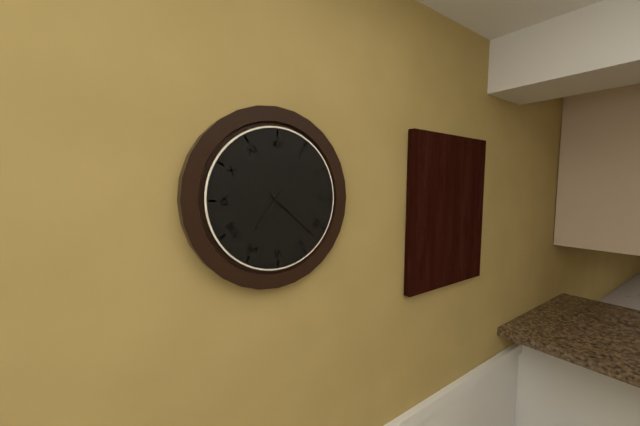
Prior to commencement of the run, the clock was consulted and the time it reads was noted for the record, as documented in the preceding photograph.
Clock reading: 7:22
